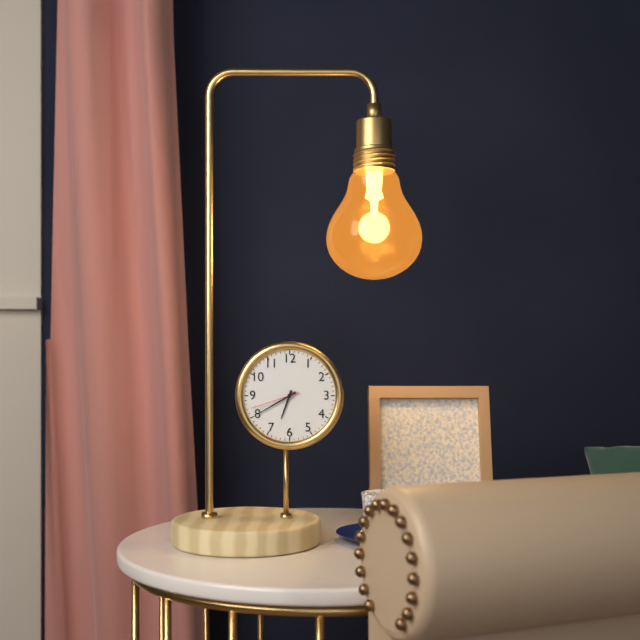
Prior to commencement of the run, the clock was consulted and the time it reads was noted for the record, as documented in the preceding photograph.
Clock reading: 6:40:42
